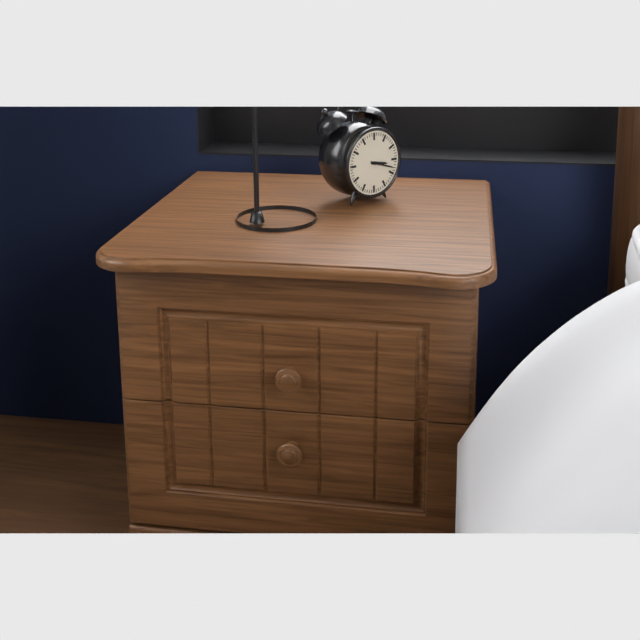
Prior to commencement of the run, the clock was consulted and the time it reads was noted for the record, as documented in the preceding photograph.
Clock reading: 3:18
